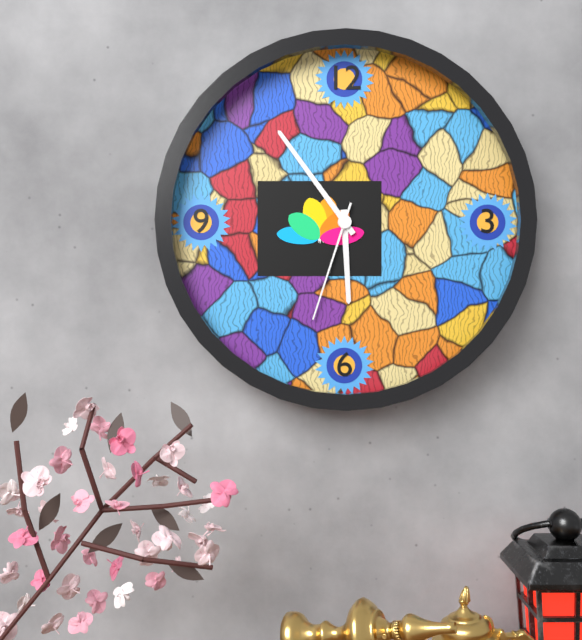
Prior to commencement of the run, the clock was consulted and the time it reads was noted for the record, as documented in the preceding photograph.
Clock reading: 5:54:33
